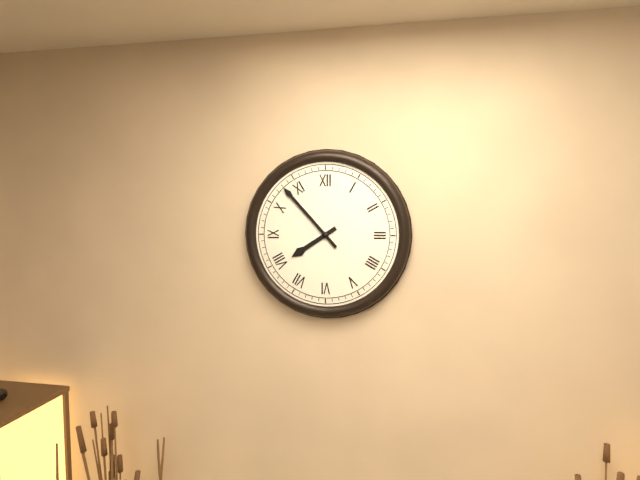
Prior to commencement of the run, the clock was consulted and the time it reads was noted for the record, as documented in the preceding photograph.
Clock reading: 7:53
